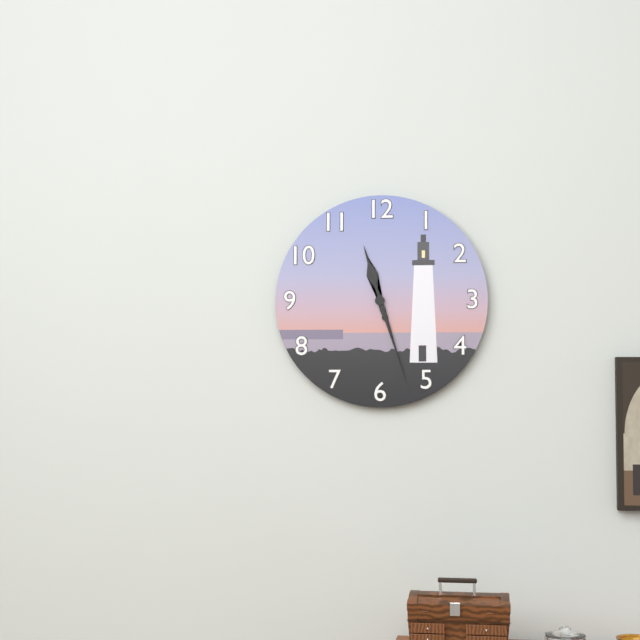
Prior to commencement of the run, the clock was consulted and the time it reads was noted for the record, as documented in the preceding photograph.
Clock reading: 11:27
